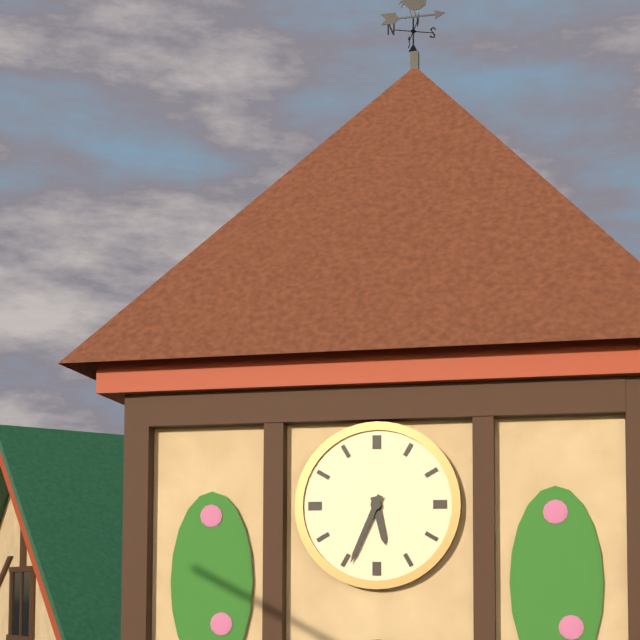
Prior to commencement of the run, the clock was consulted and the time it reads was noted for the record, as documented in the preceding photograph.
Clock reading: 5:34
